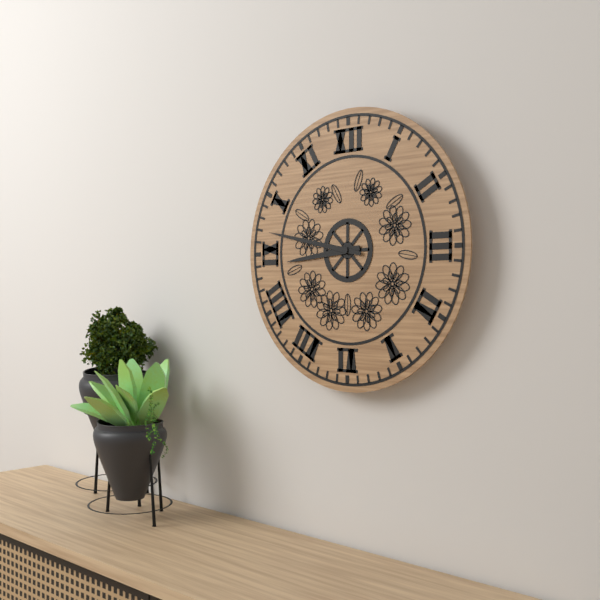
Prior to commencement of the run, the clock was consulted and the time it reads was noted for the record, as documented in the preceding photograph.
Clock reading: 8:47
